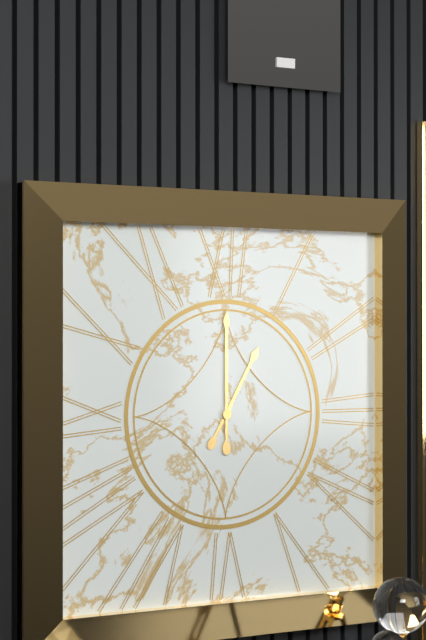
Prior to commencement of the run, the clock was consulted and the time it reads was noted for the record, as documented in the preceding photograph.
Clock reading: 1:00
